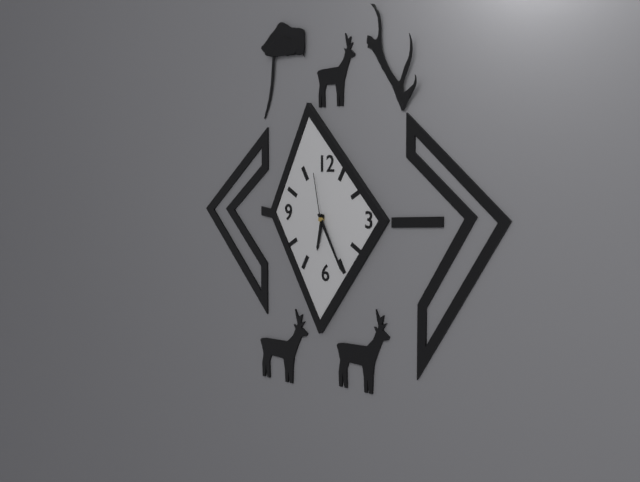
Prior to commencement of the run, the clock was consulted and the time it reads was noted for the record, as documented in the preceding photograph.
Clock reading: 6:25:58
